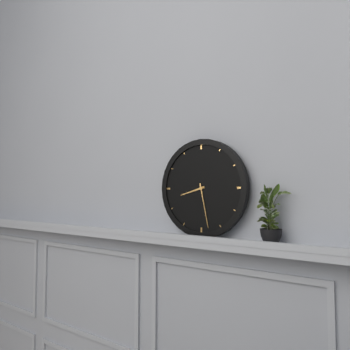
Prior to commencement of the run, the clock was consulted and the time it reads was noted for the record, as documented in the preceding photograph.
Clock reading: 8:28
